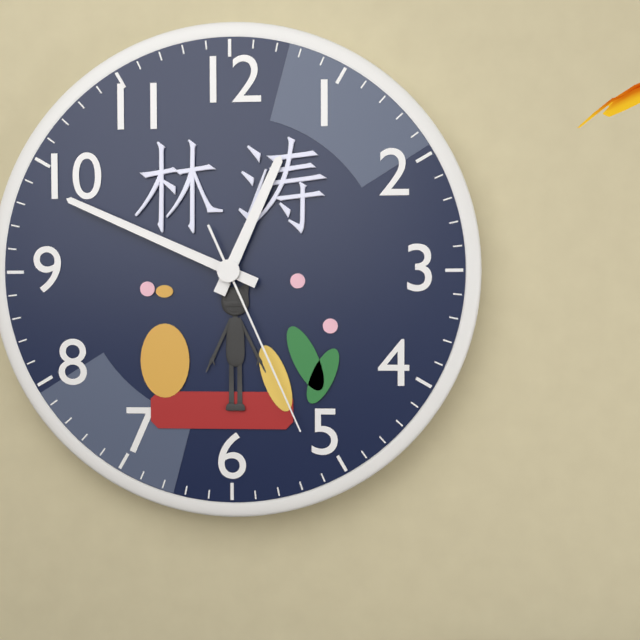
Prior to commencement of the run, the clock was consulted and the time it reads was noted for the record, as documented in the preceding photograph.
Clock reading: 12:49:26
